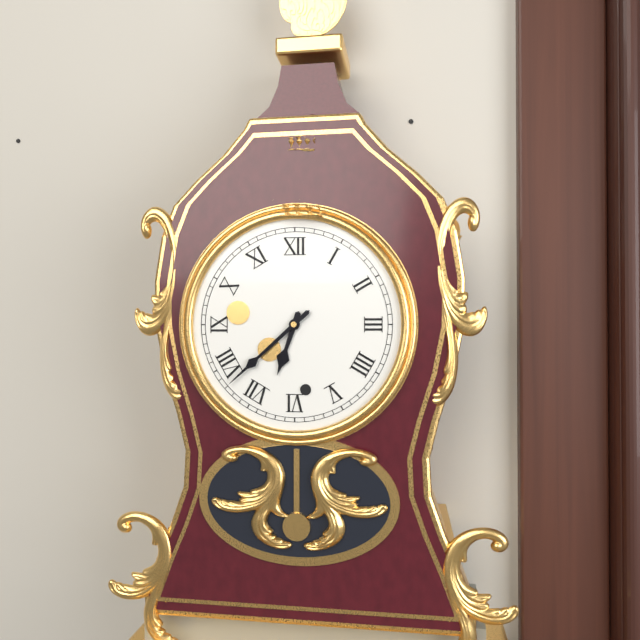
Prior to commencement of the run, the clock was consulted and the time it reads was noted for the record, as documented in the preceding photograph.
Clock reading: 6:38
